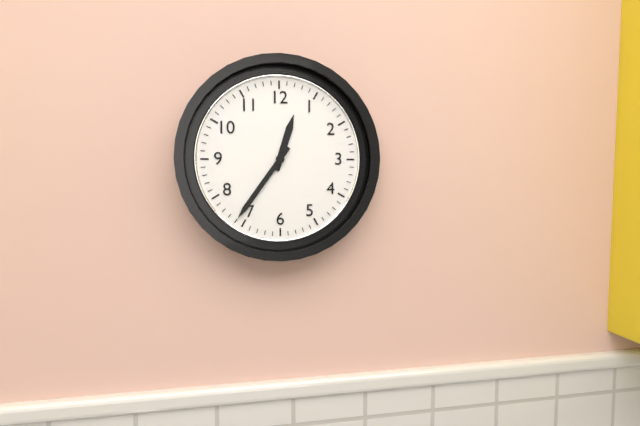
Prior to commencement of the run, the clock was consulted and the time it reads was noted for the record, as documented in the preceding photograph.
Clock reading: 12:36
